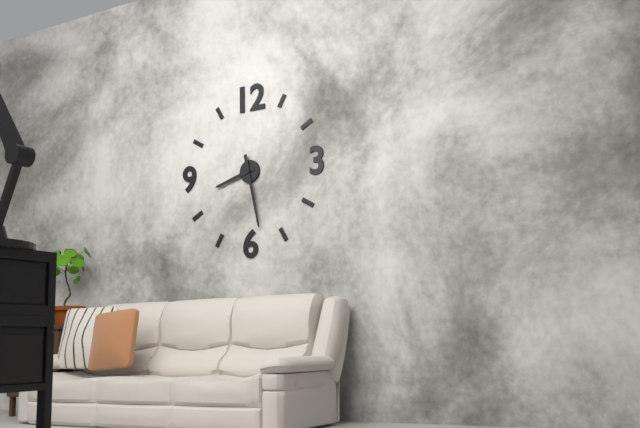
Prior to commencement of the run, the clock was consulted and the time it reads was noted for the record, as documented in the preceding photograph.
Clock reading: 8:28
